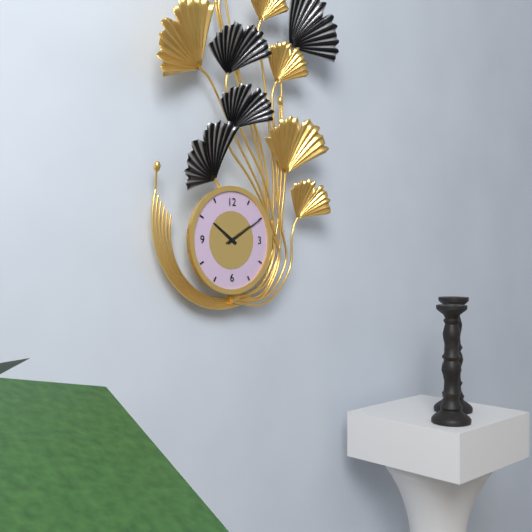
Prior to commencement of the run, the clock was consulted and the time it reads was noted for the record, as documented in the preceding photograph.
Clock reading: 10:10
